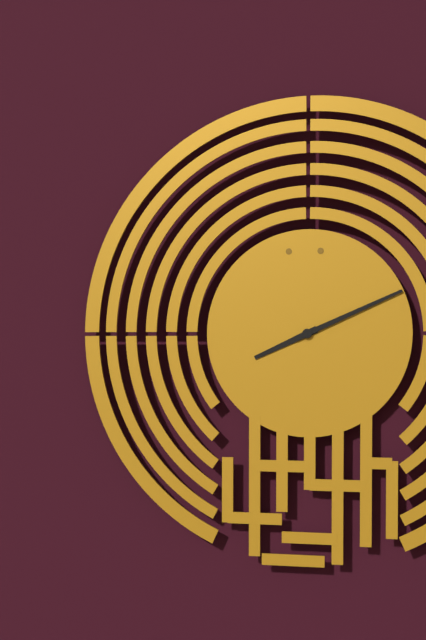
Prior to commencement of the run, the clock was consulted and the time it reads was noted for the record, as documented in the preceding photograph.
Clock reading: 8:11
